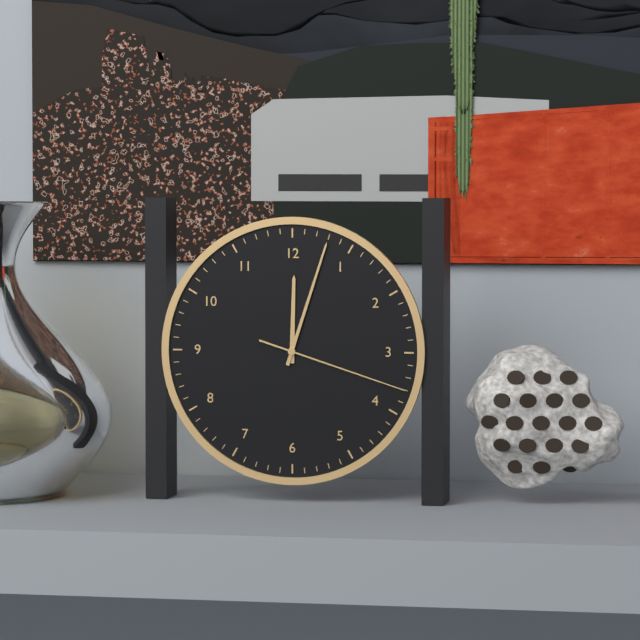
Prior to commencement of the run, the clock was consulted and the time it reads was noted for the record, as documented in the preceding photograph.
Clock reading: 12:03:18
